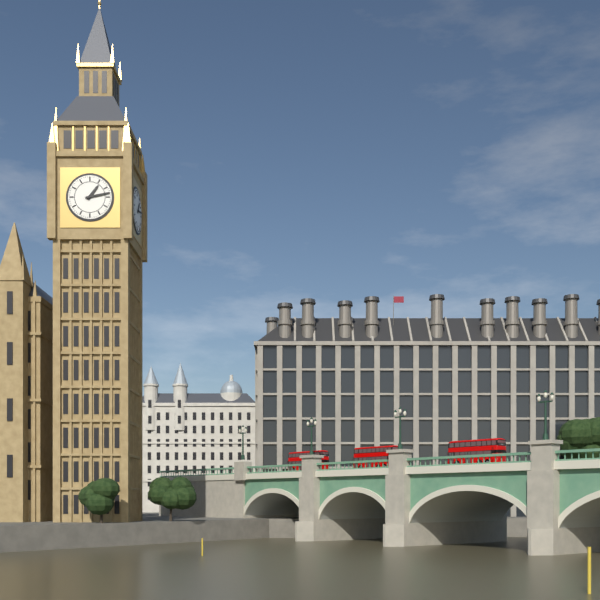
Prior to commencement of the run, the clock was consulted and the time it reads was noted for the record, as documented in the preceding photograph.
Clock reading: 1:13
